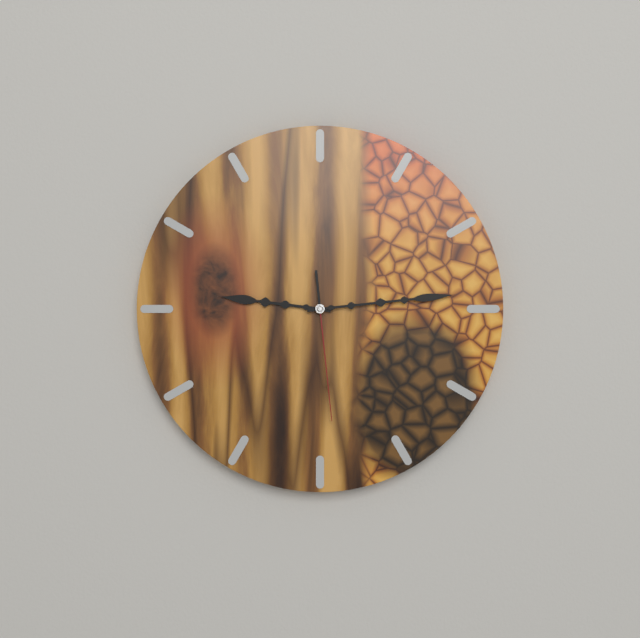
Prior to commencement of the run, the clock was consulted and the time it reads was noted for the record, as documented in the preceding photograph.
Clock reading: 9:14:29
